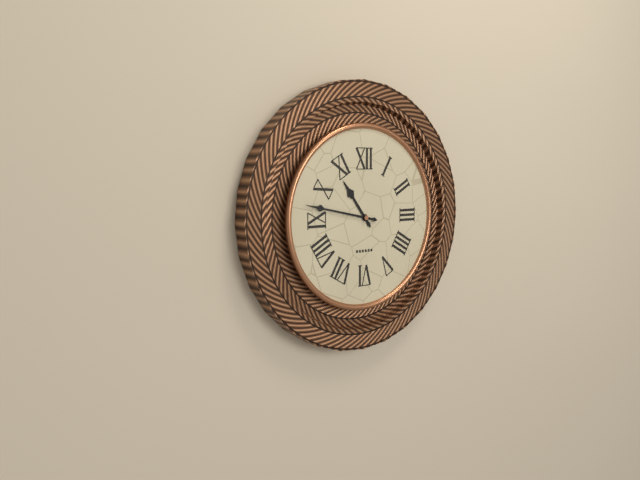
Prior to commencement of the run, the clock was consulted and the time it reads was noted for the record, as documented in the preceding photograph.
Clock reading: 10:47
